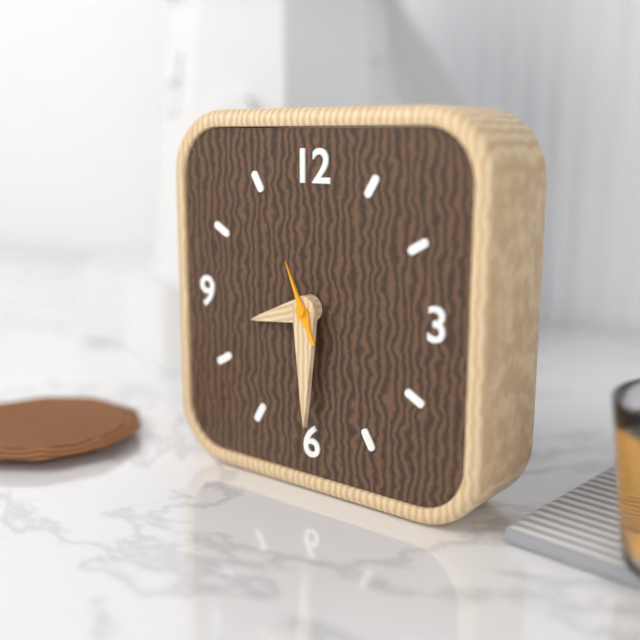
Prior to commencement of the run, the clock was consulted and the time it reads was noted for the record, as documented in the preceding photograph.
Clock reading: 8:30:56
